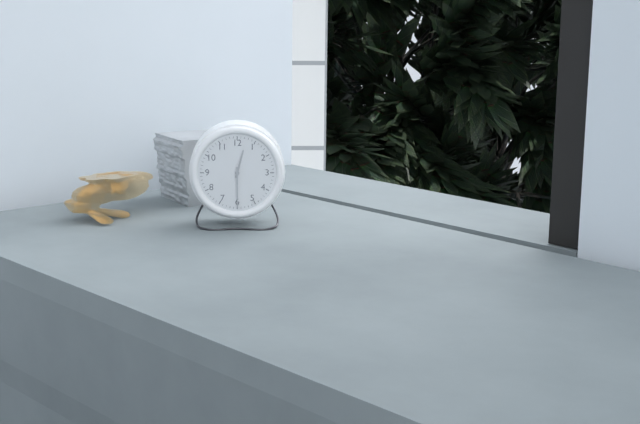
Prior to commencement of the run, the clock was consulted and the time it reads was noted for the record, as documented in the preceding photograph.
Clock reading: 12:30
